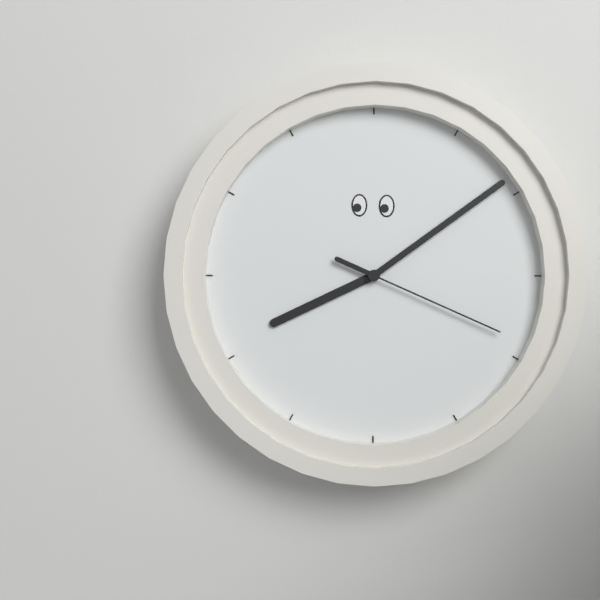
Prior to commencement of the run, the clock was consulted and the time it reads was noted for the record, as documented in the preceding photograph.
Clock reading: 8:09:19
